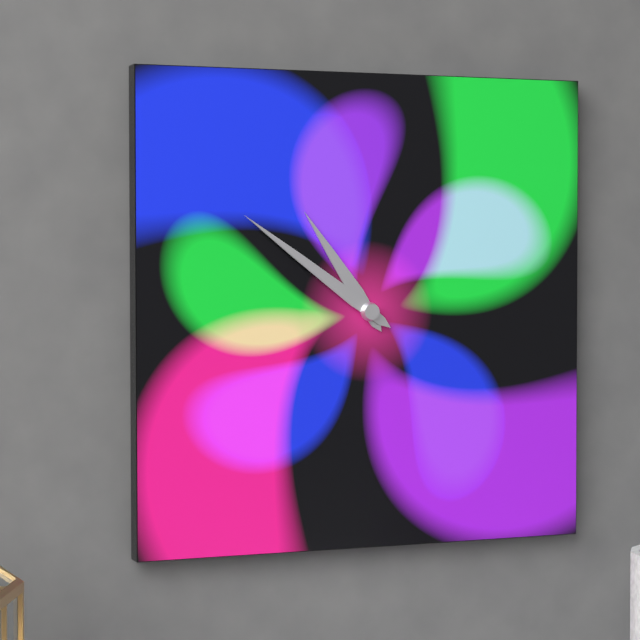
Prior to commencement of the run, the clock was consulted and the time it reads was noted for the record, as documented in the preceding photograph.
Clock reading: 10:51
